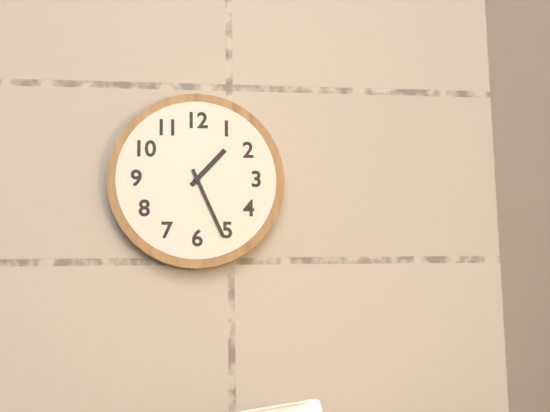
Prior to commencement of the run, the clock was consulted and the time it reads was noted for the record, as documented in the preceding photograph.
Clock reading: 1:26
